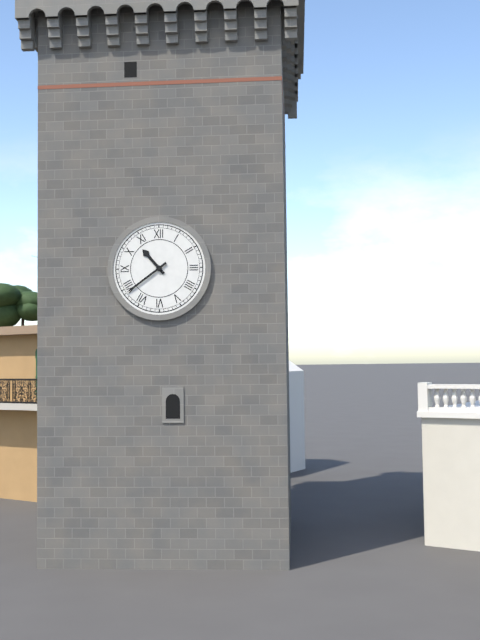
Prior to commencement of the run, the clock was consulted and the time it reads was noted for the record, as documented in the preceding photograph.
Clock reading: 10:39
